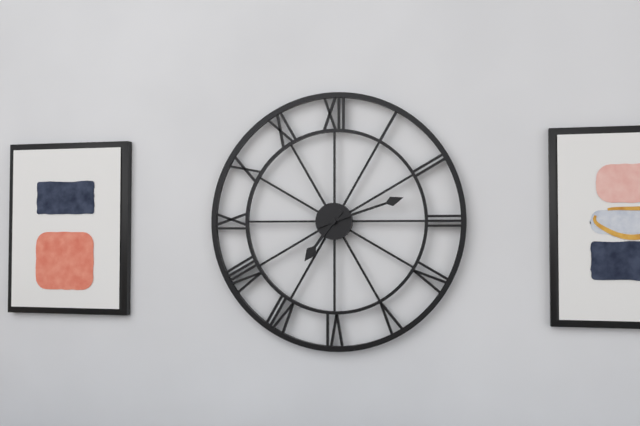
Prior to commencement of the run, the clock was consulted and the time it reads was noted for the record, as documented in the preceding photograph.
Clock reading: 7:12
